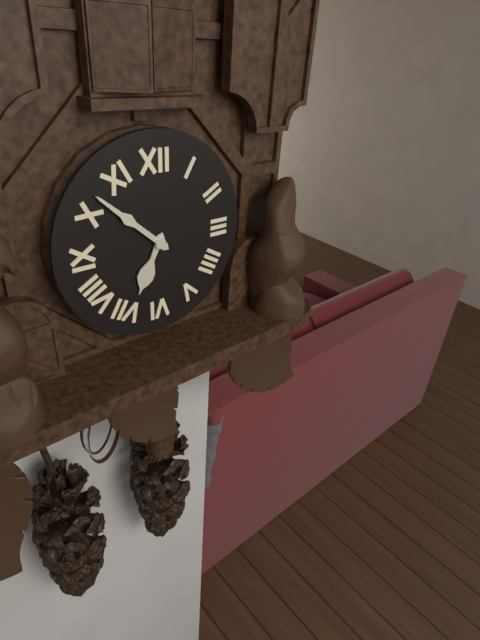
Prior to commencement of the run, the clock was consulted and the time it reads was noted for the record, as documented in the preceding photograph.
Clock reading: 6:52
